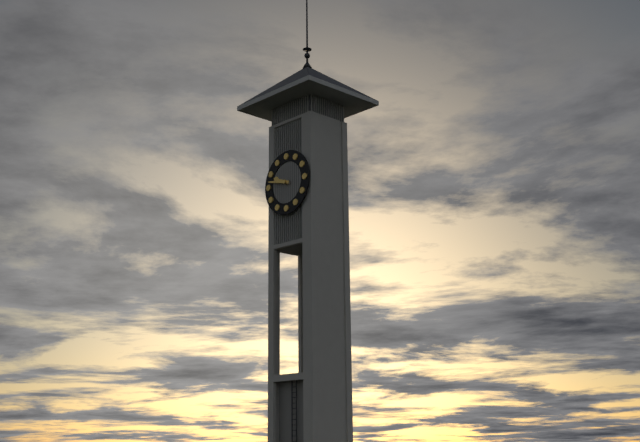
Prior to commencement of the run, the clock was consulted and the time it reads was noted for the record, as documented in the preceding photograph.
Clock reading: 9:47
